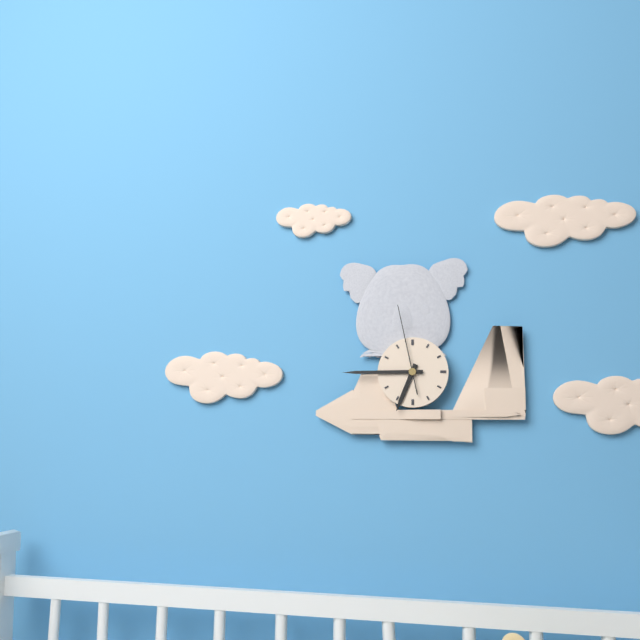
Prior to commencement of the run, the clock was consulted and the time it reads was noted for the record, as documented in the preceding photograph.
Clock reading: 6:45:58
